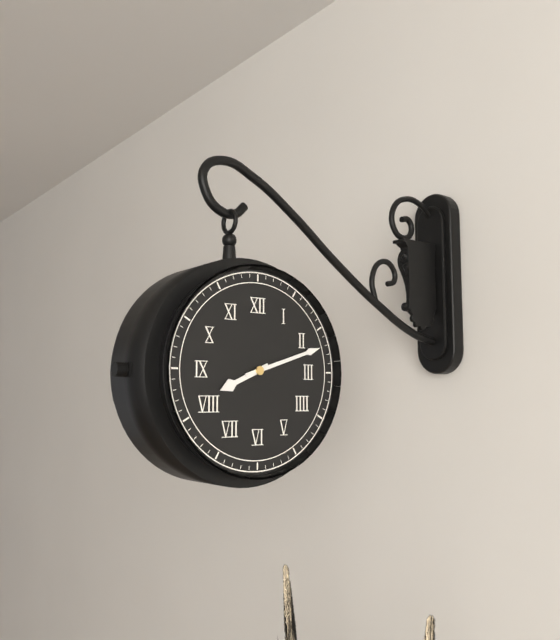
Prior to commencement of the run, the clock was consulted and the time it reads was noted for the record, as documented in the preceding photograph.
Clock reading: 8:12
